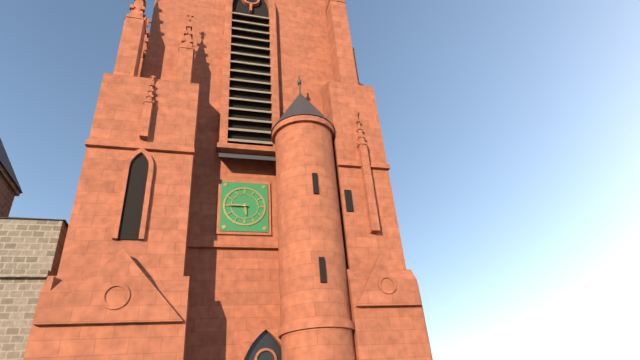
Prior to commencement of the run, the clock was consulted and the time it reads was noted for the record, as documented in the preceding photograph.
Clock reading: 5:45
